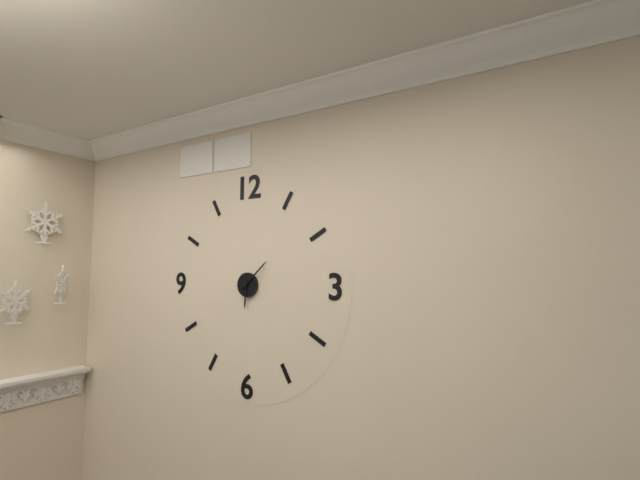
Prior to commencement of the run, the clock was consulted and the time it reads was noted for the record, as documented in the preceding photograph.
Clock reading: 6:08
